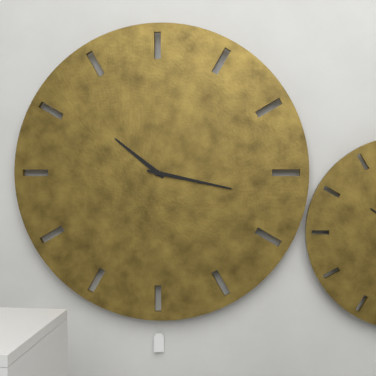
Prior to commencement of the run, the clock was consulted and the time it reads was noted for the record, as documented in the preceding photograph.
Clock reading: 10:17
